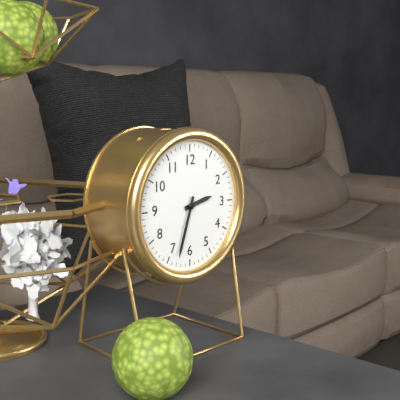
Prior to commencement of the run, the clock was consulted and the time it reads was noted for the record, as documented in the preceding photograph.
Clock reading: 2:33
